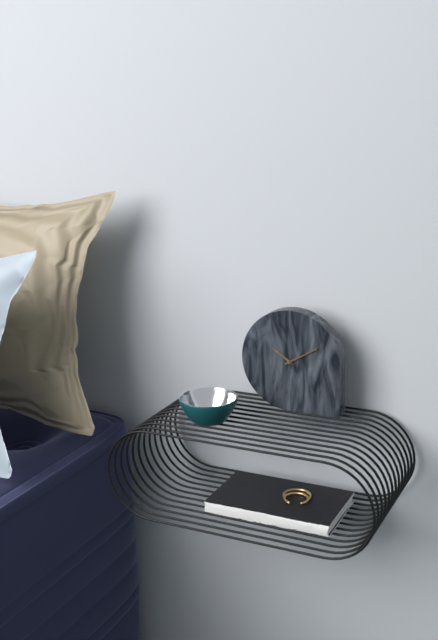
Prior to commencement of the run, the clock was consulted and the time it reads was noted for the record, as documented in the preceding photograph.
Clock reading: 10:10
